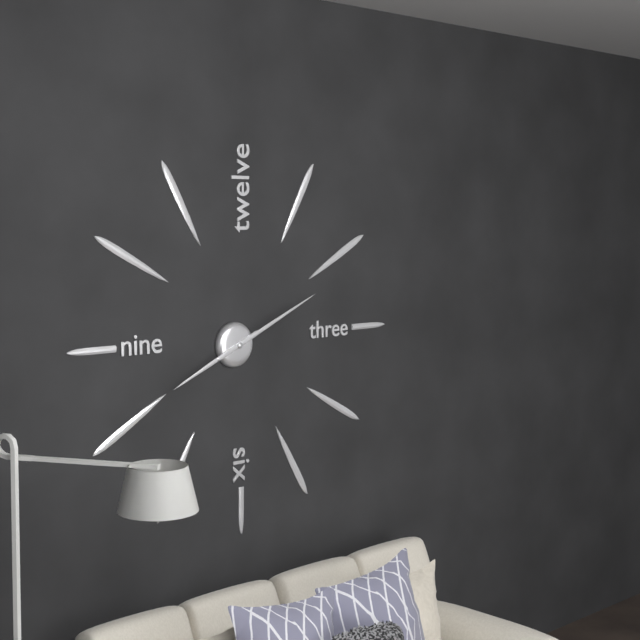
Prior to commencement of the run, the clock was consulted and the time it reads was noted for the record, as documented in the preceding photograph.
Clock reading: 8:11
